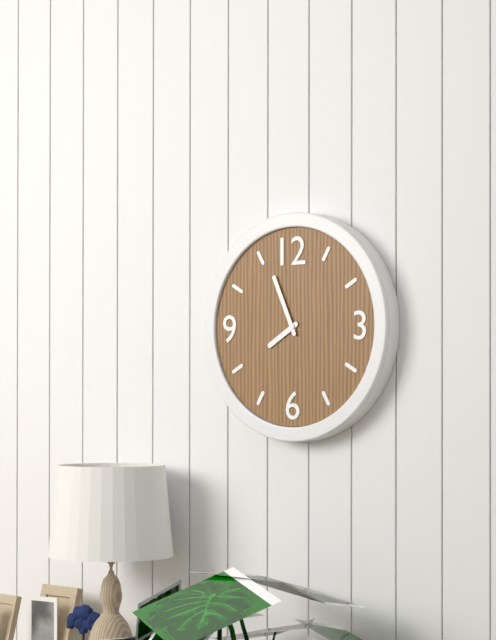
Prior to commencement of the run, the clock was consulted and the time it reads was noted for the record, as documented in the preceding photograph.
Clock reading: 7:56
